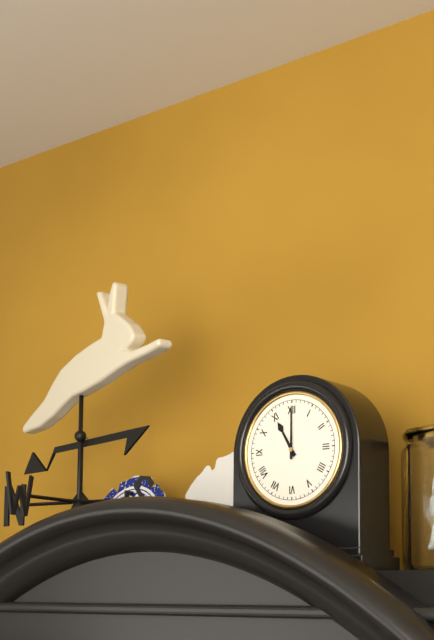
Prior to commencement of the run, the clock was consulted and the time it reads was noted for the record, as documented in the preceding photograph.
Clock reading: 11:00
